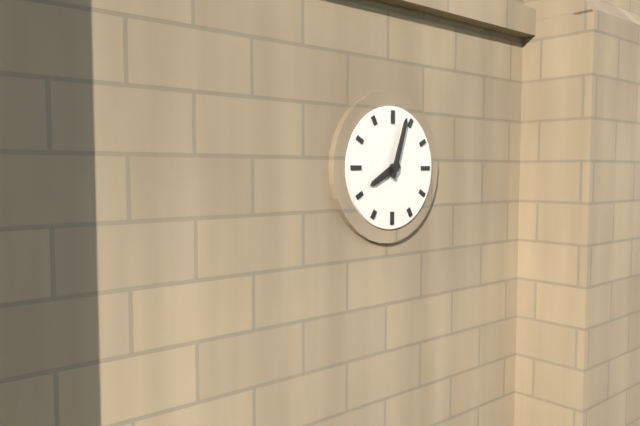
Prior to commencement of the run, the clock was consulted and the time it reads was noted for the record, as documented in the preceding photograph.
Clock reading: 8:03
